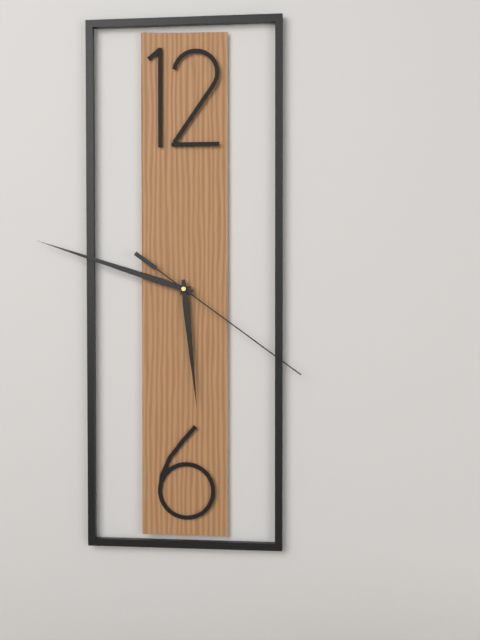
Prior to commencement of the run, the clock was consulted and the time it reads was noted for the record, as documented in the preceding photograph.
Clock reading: 5:48:21
